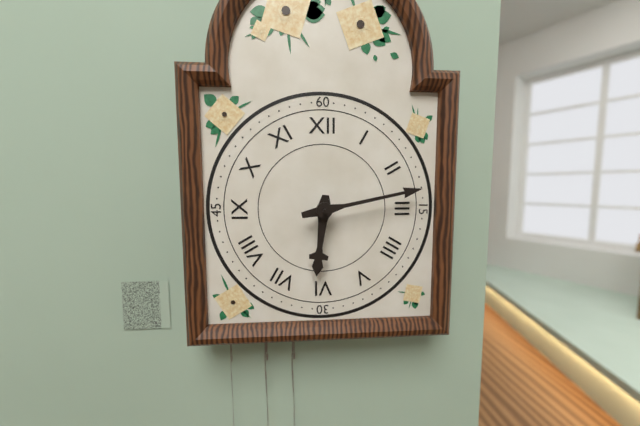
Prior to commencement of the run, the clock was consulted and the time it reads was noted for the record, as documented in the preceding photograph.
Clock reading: 6:13
